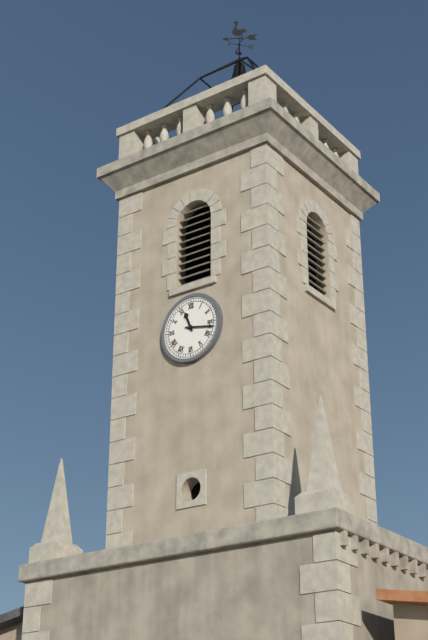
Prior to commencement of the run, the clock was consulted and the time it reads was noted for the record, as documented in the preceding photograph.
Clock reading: 11:17
